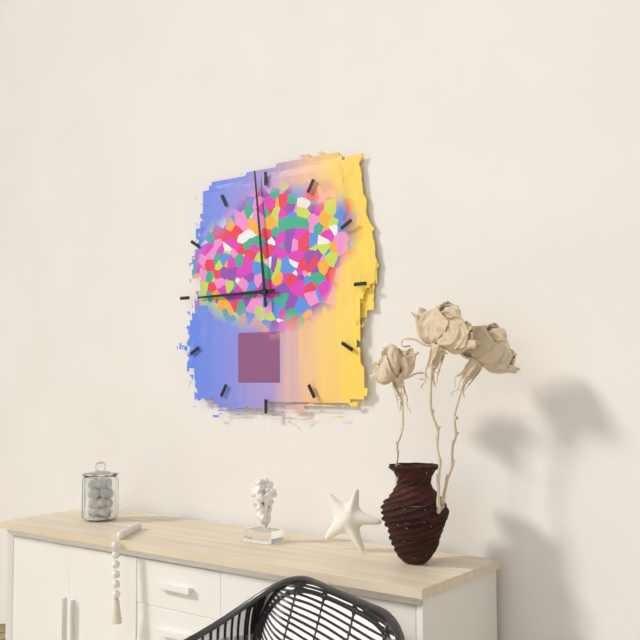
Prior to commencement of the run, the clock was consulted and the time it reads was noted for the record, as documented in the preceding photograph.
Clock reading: 8:59
